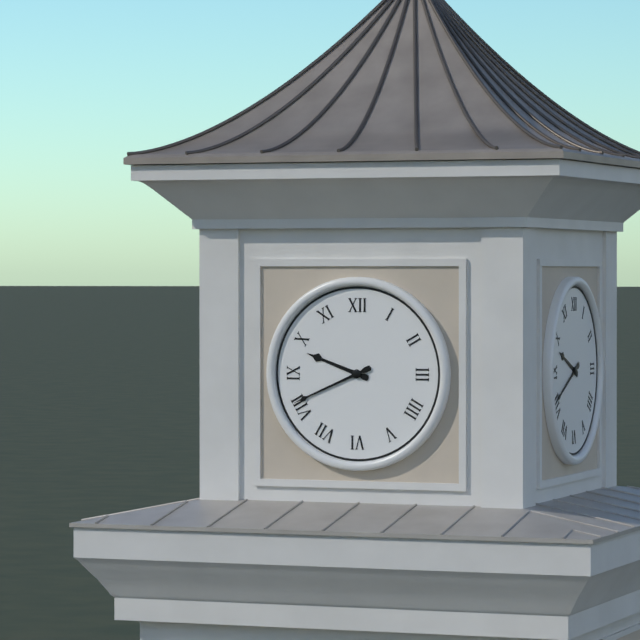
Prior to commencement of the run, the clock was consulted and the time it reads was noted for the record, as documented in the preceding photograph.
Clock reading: 9:41
